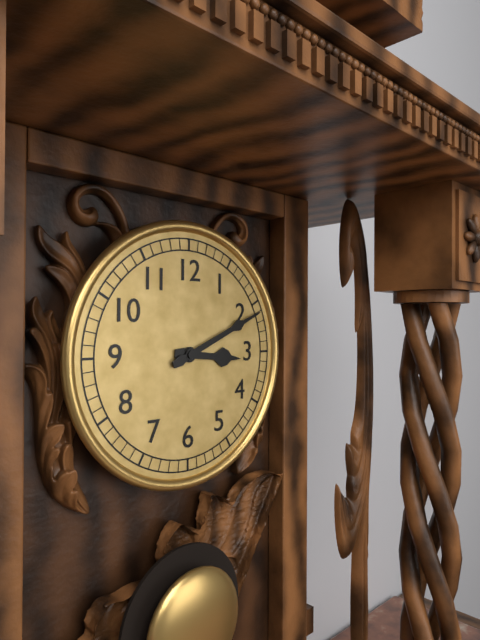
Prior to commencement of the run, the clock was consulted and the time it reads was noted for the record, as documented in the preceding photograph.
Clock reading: 3:11
